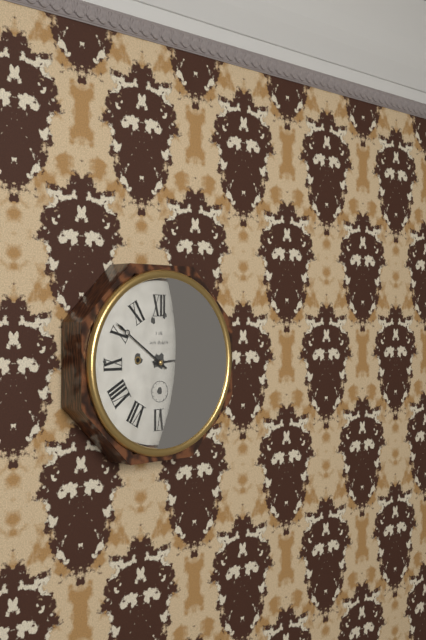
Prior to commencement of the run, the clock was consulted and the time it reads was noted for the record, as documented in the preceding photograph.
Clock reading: 2:51
